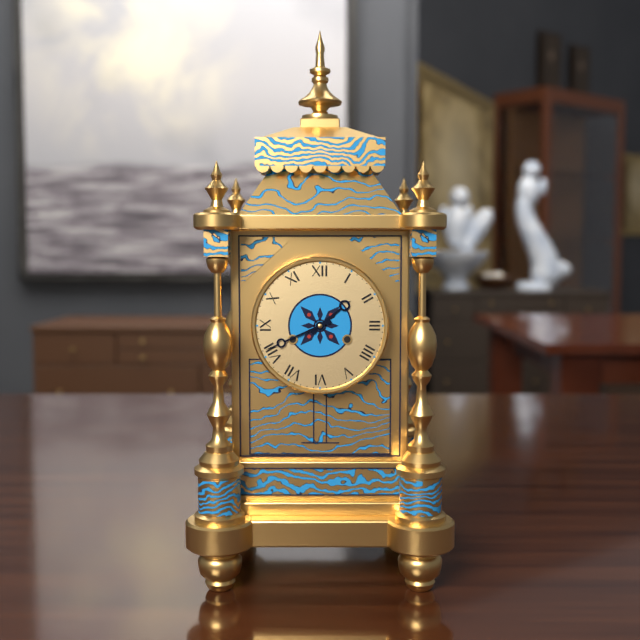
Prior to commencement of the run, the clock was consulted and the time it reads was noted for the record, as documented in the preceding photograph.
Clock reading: 1:41
